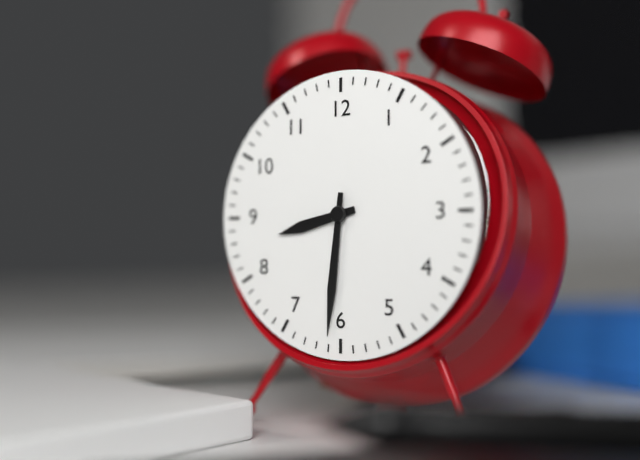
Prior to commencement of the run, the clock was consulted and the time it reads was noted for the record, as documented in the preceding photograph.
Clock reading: 8:31
